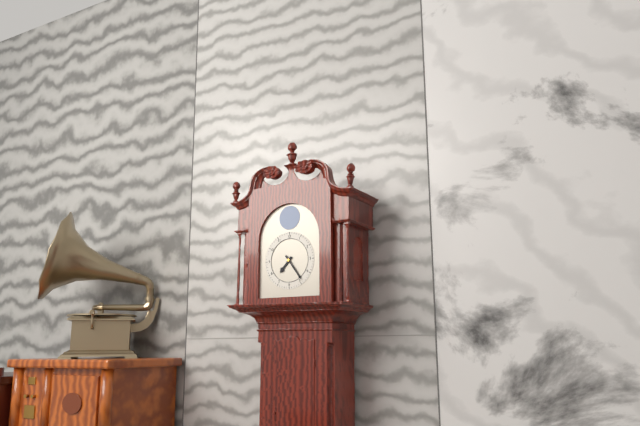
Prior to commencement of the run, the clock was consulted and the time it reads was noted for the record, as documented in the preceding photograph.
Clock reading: 7:24
